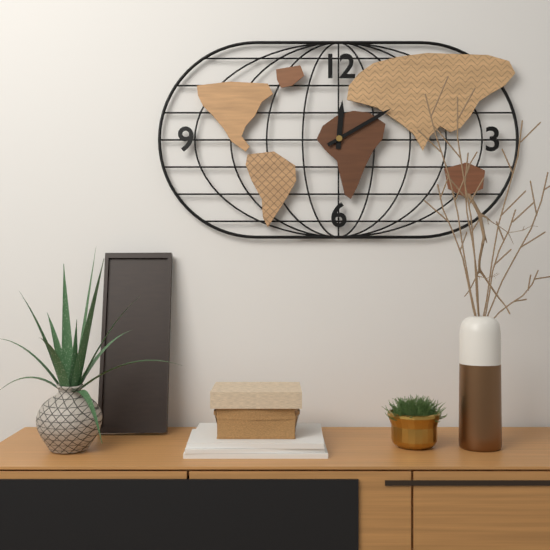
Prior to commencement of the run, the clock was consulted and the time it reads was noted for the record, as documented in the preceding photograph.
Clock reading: 12:10
